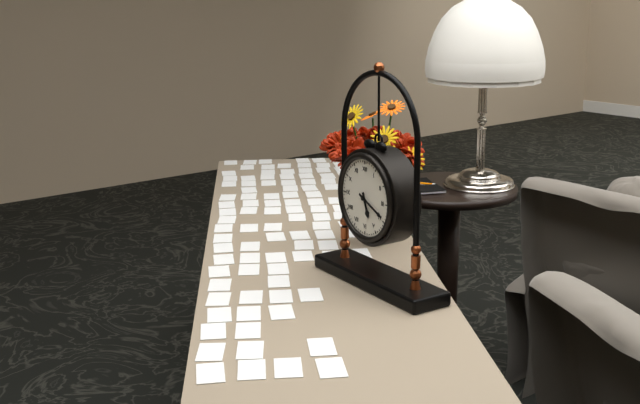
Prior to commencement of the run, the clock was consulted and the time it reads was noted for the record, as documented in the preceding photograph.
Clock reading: 5:19
